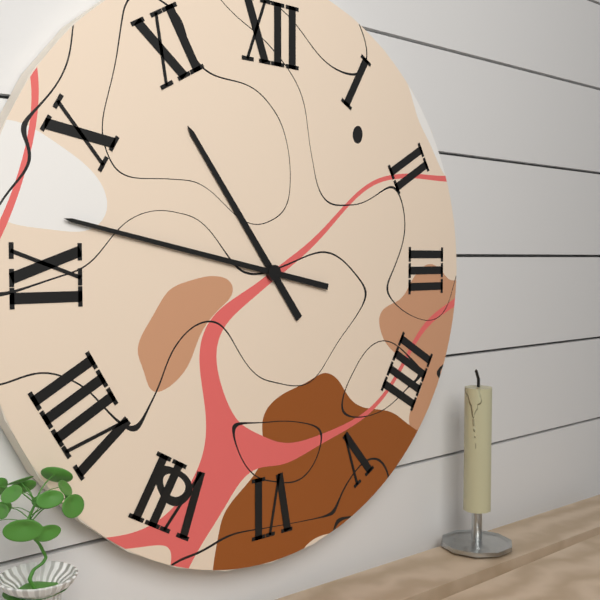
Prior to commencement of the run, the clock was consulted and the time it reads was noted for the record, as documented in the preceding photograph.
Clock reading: 10:47
